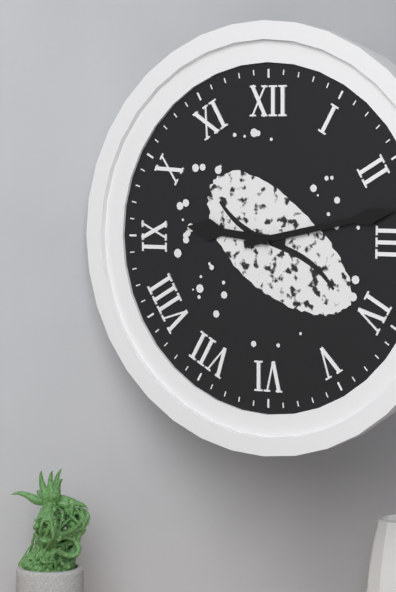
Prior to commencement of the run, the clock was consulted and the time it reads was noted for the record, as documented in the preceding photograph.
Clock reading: 9:13
